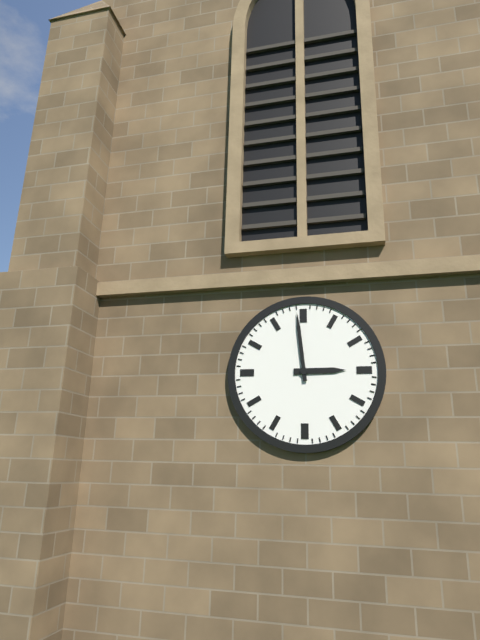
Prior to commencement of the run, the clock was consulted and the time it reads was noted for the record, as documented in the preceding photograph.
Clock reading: 2:59
